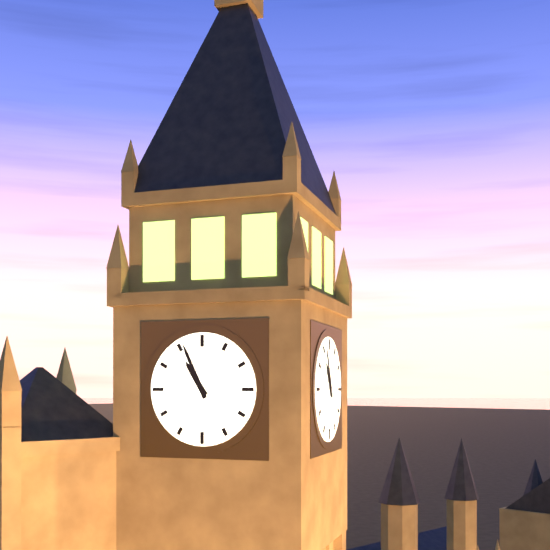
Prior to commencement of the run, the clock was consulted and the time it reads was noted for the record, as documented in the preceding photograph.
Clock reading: 10:56
